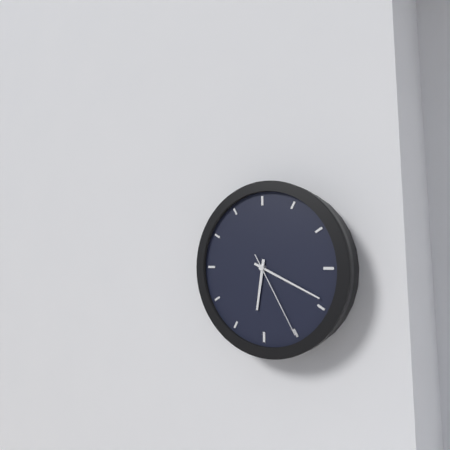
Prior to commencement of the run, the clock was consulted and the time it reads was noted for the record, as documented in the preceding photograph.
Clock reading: 6:19:25
